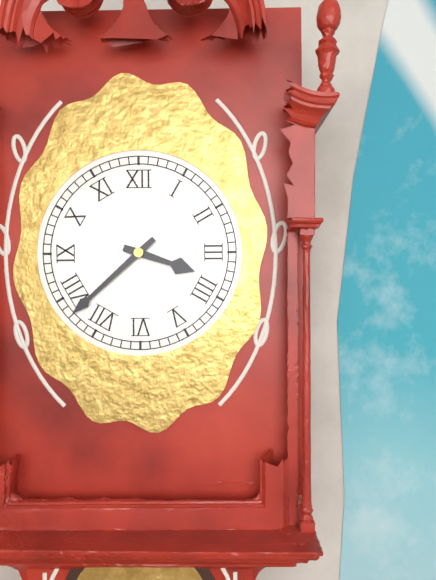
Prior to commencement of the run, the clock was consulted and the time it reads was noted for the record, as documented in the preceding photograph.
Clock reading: 3:38
